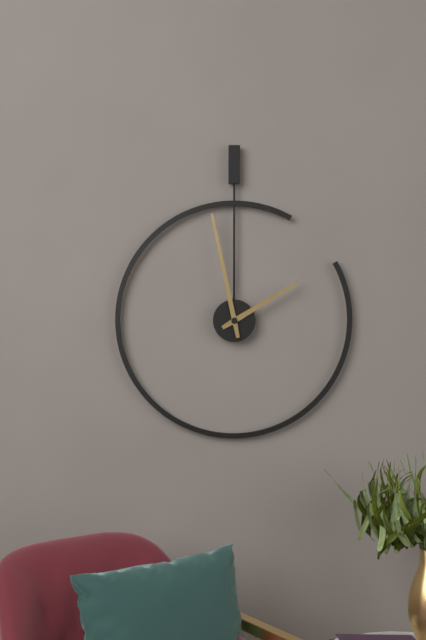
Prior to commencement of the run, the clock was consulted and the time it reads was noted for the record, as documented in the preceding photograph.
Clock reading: 1:58
